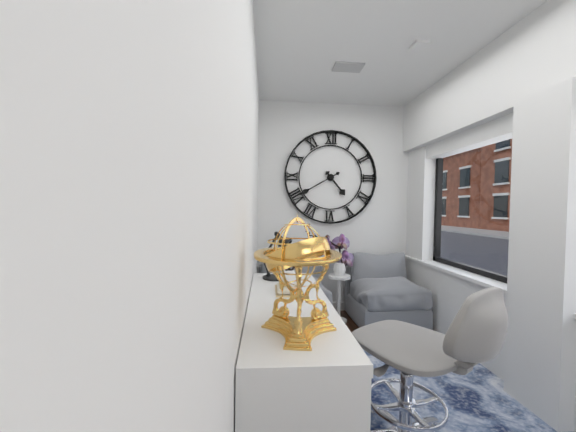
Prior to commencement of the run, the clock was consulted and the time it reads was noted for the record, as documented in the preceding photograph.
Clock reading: 4:40
